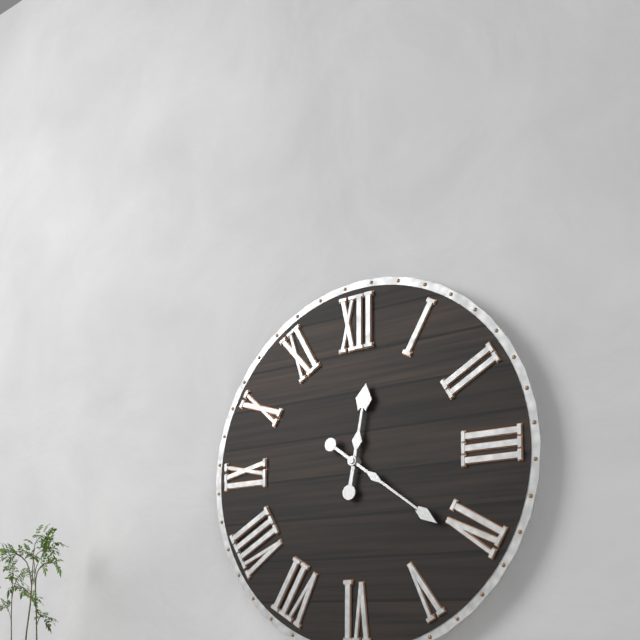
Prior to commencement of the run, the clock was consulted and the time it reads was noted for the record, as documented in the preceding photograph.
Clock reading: 12:21
